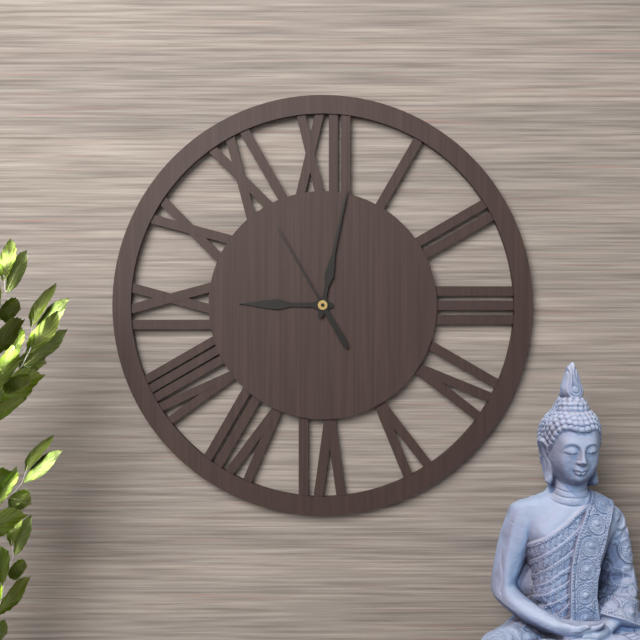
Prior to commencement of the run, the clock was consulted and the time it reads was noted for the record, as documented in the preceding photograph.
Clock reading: 9:02:55
